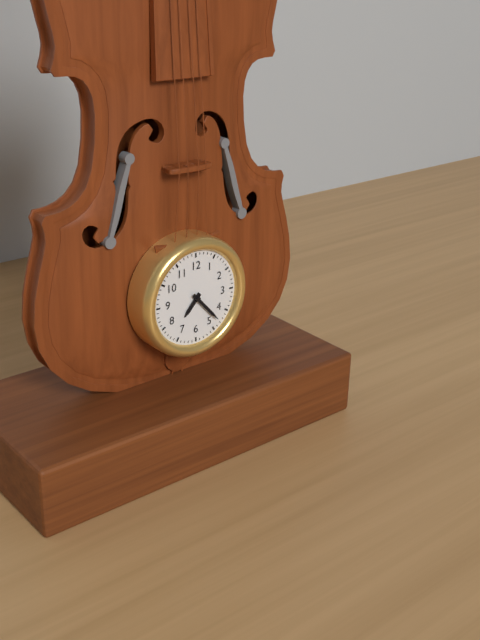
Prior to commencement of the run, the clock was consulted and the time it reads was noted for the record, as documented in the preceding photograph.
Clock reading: 7:23
